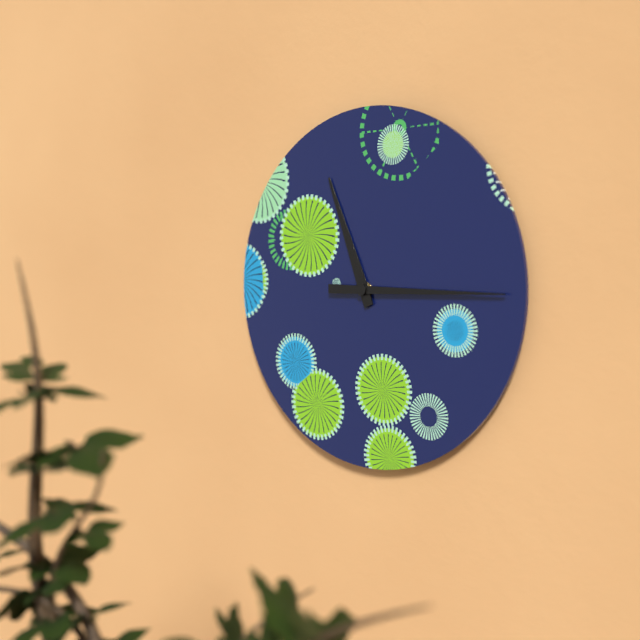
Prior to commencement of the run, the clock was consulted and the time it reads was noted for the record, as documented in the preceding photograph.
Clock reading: 11:15
